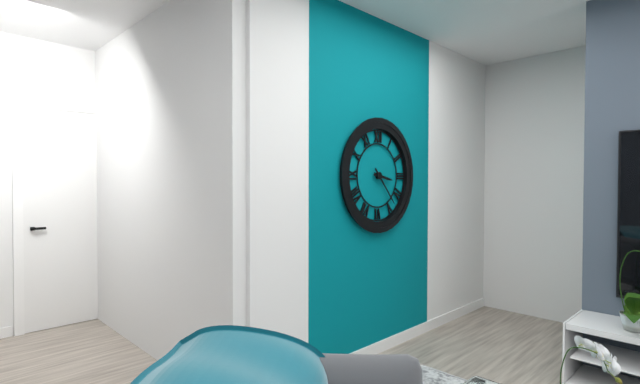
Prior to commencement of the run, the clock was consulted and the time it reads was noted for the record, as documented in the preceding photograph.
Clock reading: 3:23
